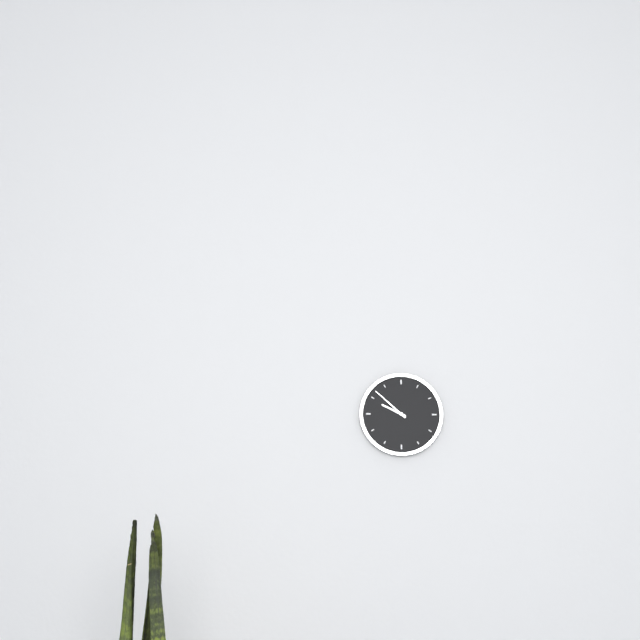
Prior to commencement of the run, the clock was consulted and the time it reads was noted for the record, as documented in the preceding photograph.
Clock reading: 9:52
